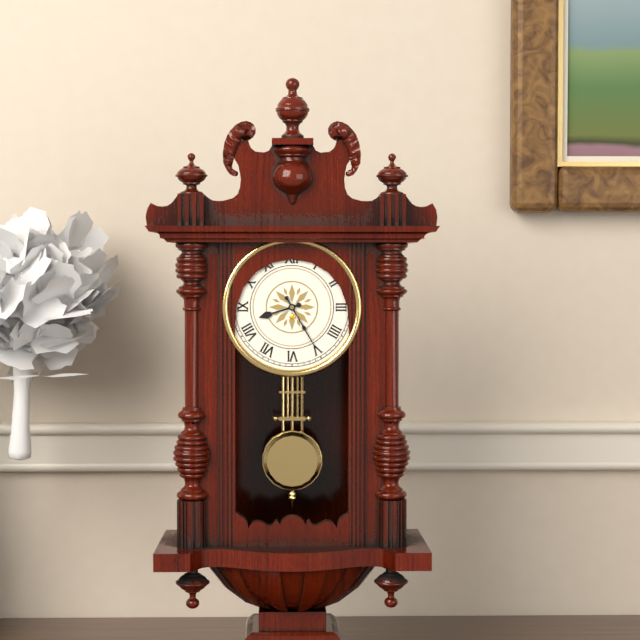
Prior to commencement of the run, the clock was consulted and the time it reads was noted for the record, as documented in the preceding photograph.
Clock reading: 8:25
